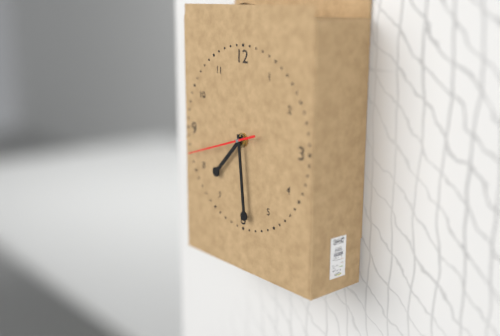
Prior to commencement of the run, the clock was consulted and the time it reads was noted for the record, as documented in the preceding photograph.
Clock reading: 7:29:42
